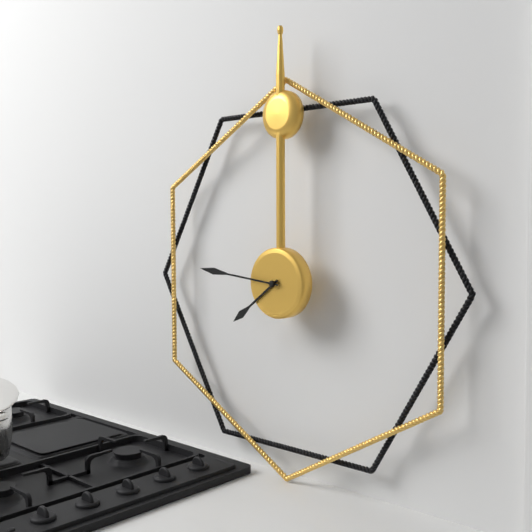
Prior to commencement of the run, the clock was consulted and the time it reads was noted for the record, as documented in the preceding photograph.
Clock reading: 7:46
